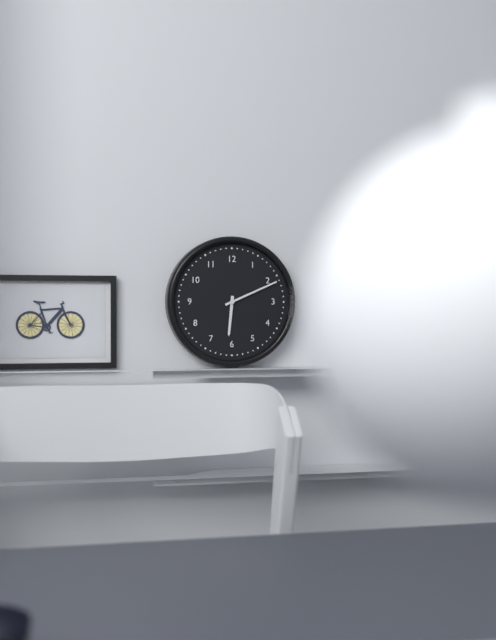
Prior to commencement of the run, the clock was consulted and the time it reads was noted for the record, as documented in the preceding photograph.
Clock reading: 6:11
